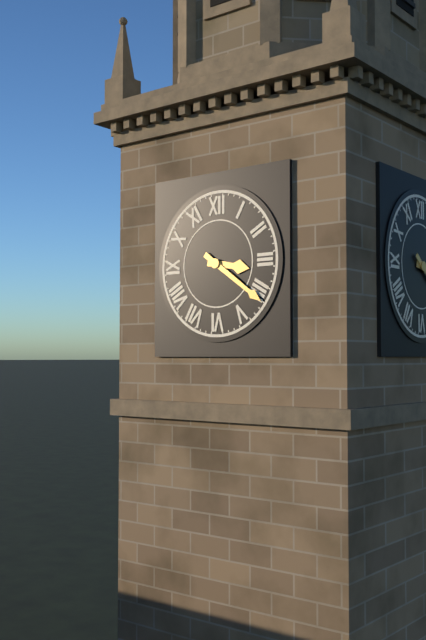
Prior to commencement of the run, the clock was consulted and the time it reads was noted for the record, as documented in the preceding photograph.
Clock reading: 3:21
